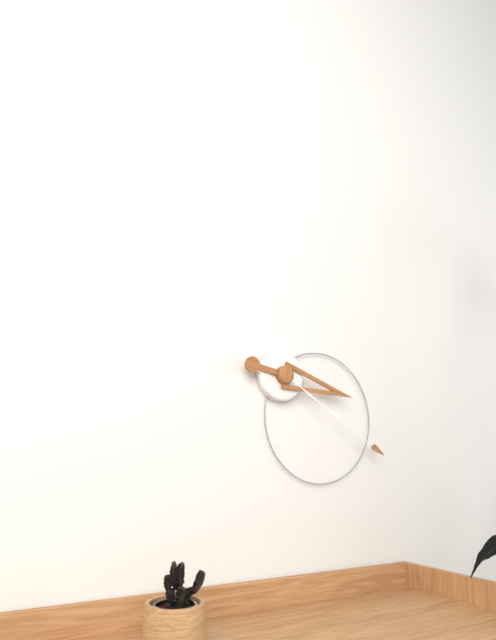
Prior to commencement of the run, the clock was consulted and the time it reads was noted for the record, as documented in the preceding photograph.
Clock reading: 3:20
